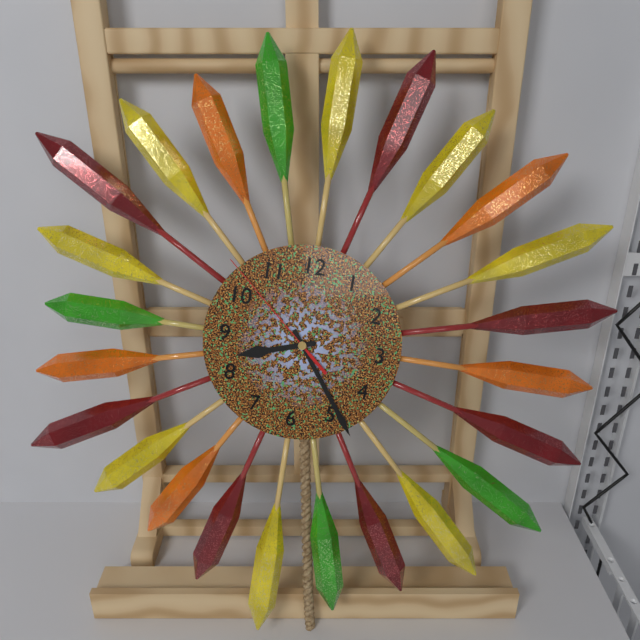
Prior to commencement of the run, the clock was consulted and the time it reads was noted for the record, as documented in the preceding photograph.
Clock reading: 8:24:52
